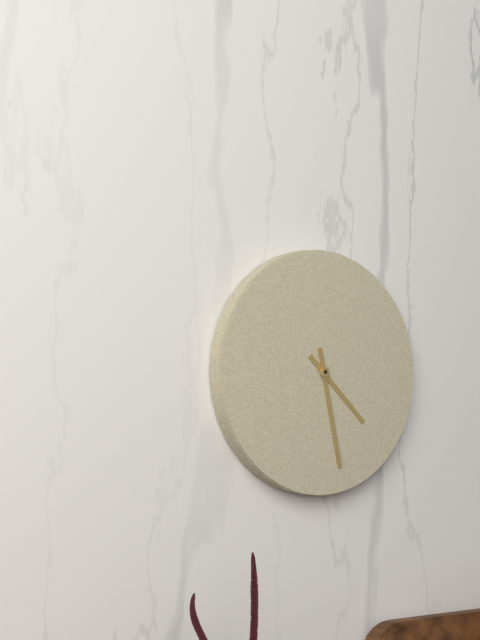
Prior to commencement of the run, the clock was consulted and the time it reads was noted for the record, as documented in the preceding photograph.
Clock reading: 4:28
